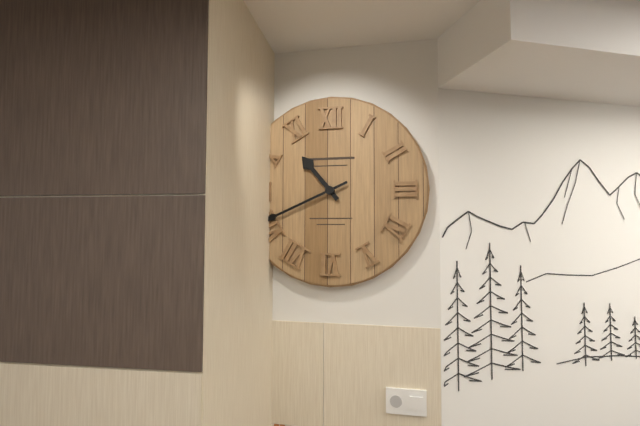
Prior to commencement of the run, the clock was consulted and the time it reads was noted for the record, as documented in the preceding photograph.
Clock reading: 10:41
